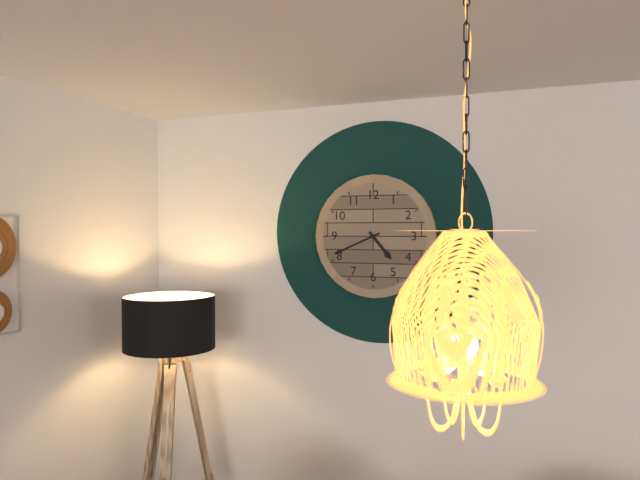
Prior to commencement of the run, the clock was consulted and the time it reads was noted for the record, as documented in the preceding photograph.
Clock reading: 4:41
